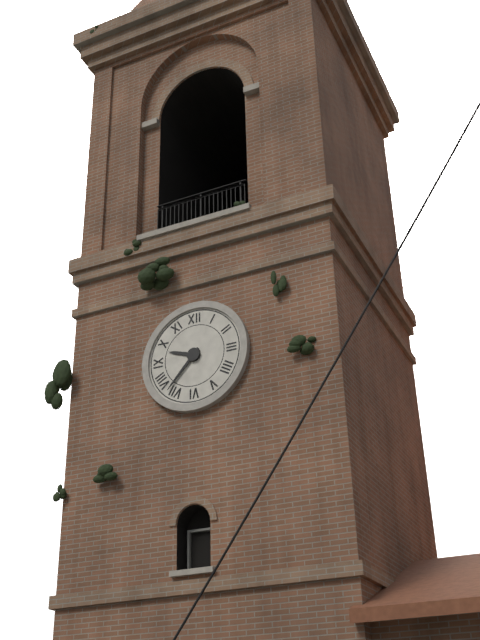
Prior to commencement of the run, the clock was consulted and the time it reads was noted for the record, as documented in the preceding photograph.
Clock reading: 9:37
